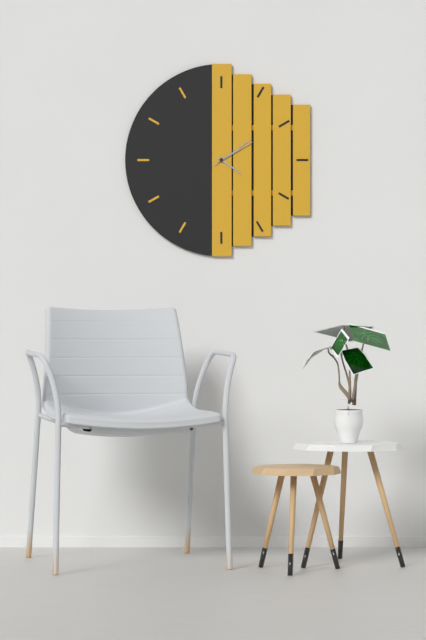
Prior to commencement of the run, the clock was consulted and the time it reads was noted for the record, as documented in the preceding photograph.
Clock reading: 4:10
